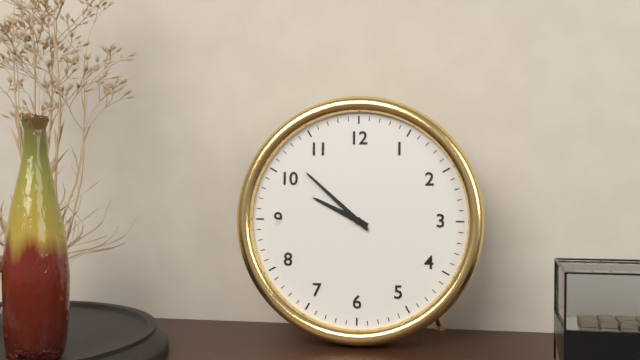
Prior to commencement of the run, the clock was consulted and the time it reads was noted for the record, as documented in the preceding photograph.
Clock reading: 9:52
